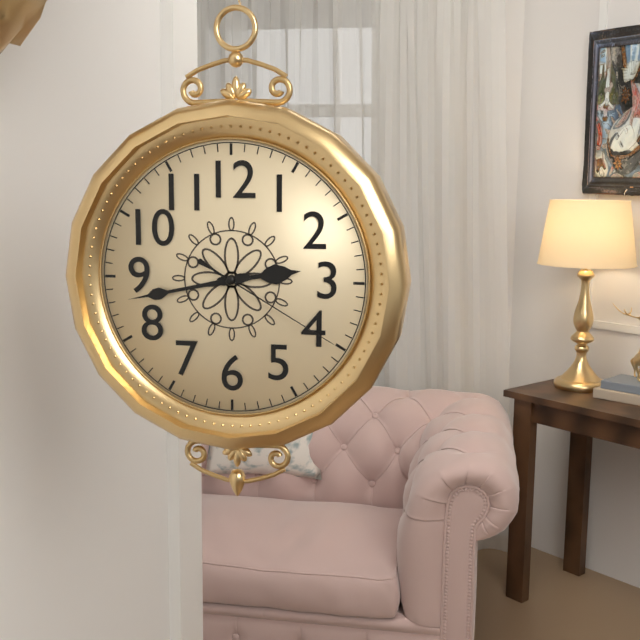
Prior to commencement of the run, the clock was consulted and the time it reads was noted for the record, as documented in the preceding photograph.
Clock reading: 2:43:20
